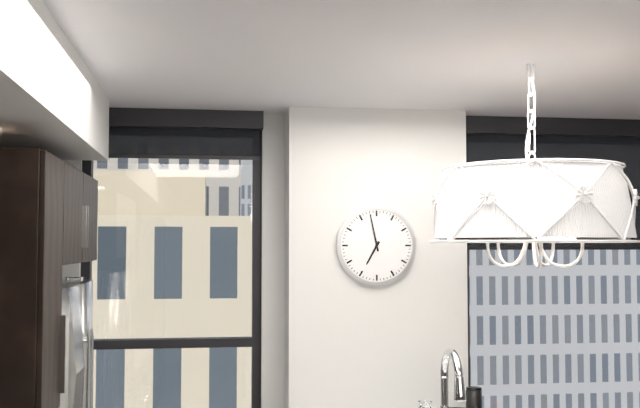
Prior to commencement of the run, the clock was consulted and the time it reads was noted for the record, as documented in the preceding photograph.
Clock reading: 6:58
